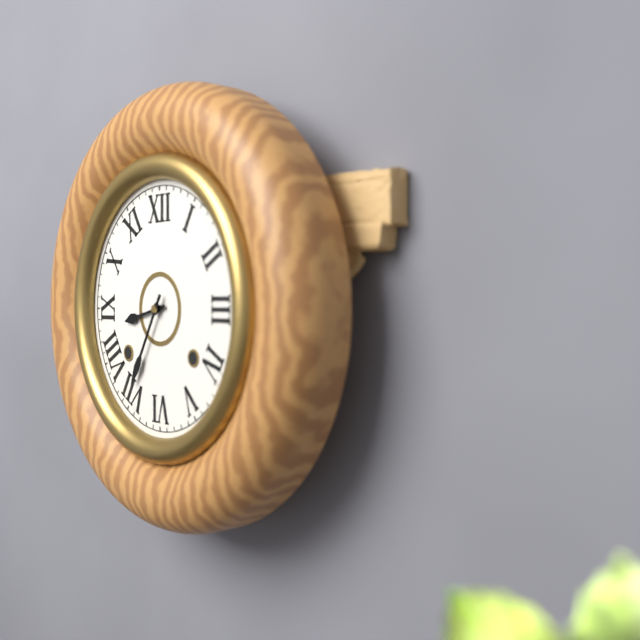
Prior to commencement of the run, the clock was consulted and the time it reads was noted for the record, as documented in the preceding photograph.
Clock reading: 8:35
